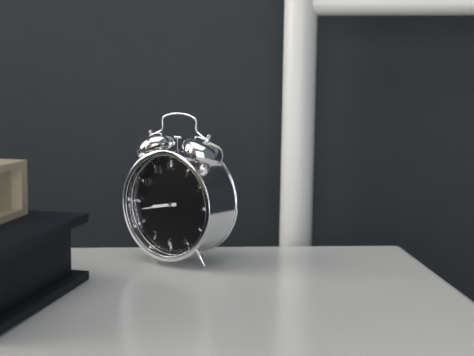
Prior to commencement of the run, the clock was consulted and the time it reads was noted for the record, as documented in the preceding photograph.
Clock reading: 8:43
